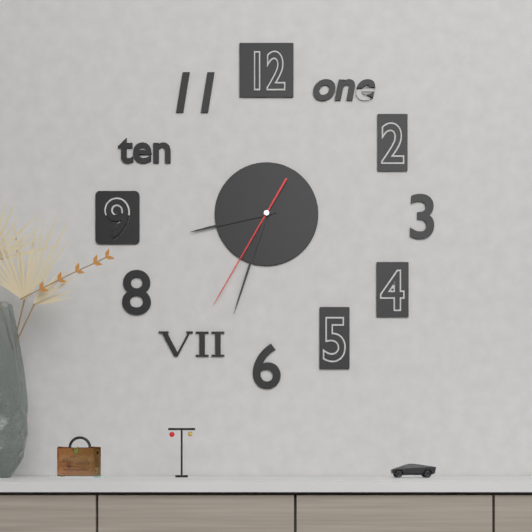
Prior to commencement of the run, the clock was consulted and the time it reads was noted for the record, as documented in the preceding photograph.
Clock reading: 8:33:35
